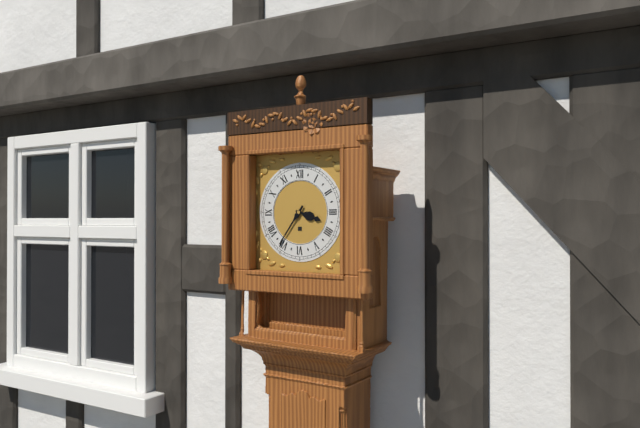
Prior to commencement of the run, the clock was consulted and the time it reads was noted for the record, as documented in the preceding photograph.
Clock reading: 3:36
